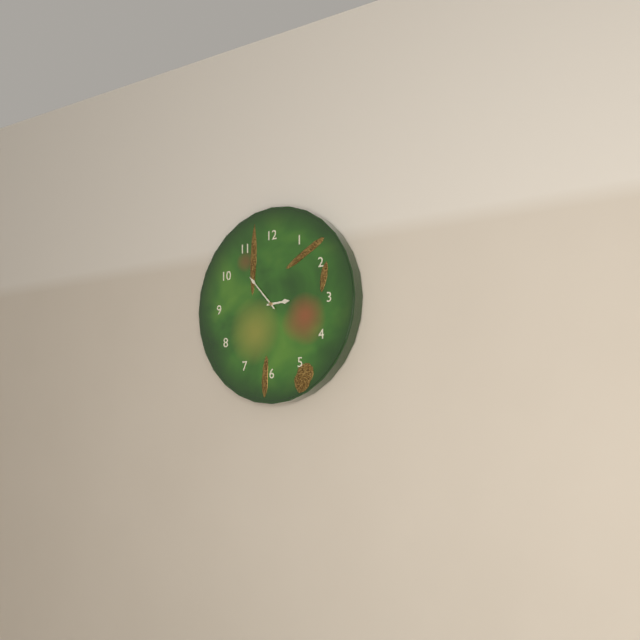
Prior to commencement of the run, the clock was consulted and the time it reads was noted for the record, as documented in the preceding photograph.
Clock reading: 2:53
